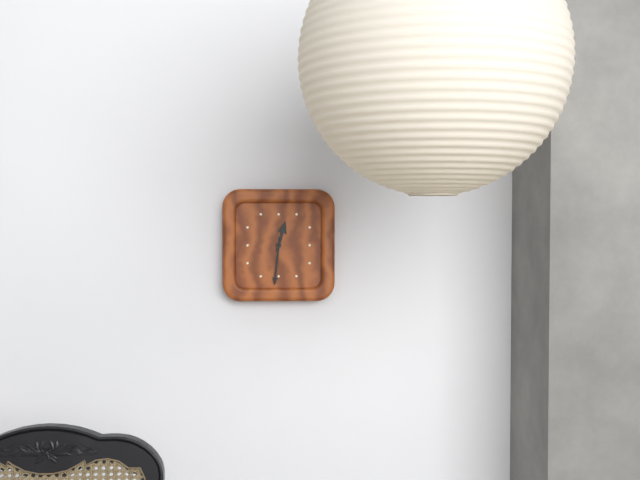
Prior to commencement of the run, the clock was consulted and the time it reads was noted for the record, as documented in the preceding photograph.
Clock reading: 12:31
